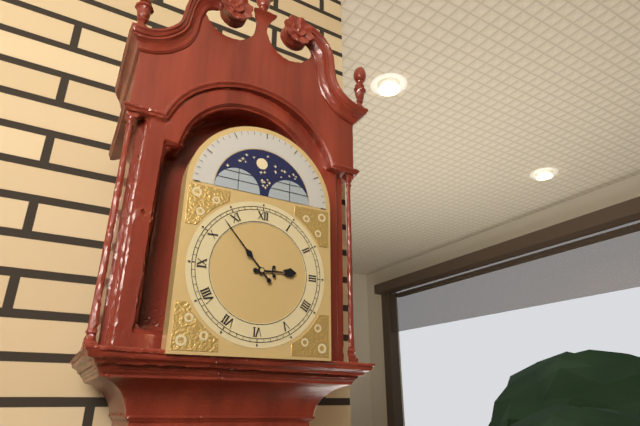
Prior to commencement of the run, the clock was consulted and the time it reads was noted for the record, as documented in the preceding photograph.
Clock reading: 2:53
